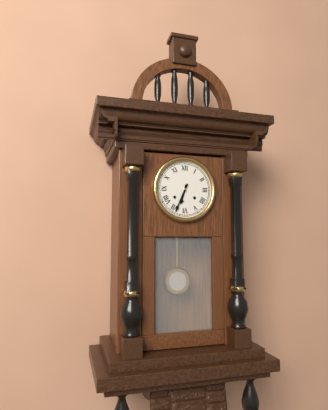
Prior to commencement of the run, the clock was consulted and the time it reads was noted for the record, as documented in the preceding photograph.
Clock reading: 6:34
